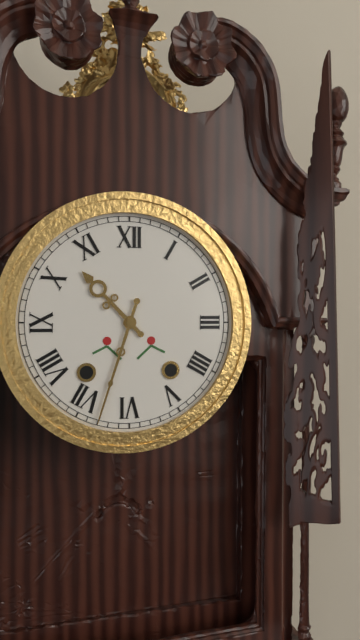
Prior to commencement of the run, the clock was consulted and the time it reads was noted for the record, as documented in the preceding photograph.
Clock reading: 10:33
